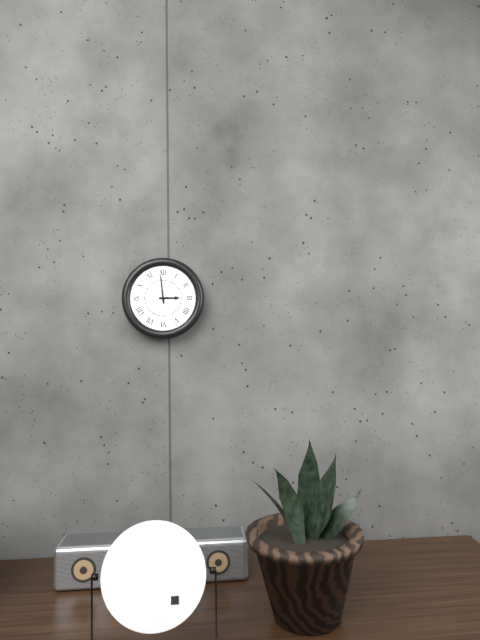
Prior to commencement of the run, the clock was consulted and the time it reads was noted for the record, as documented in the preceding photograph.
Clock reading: 2:59
